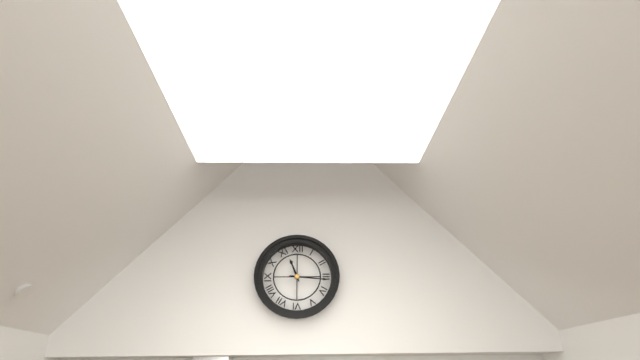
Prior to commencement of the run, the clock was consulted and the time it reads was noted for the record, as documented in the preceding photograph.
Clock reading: 11:16
